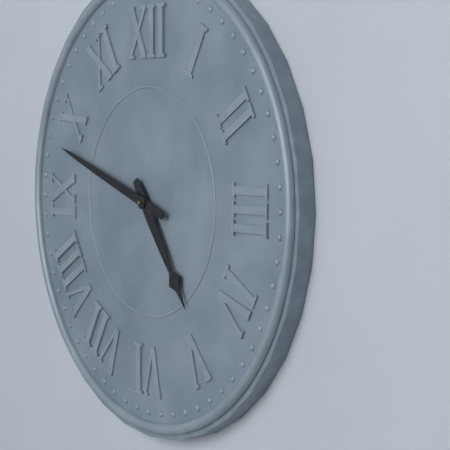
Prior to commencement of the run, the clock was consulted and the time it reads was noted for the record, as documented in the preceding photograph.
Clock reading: 4:48
